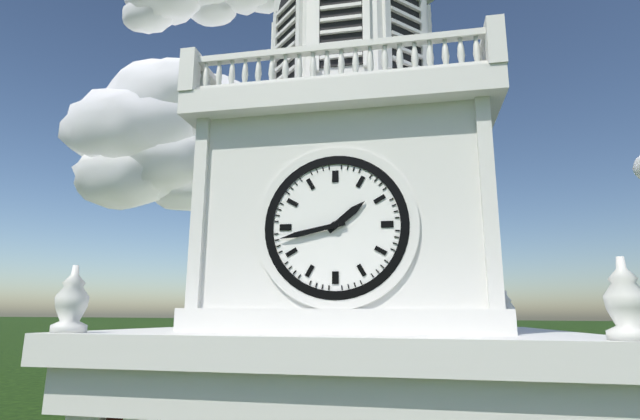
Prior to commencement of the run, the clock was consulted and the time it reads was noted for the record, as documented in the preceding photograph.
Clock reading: 1:43
